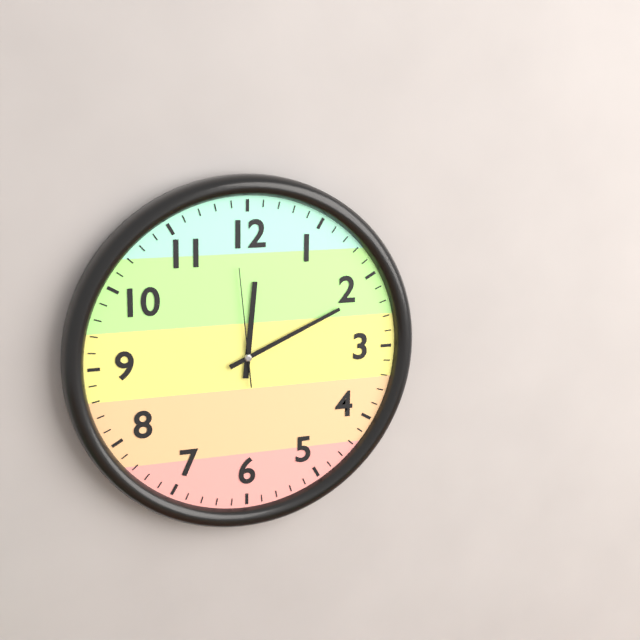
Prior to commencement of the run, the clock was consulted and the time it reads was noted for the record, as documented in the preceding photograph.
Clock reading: 12:11:59
